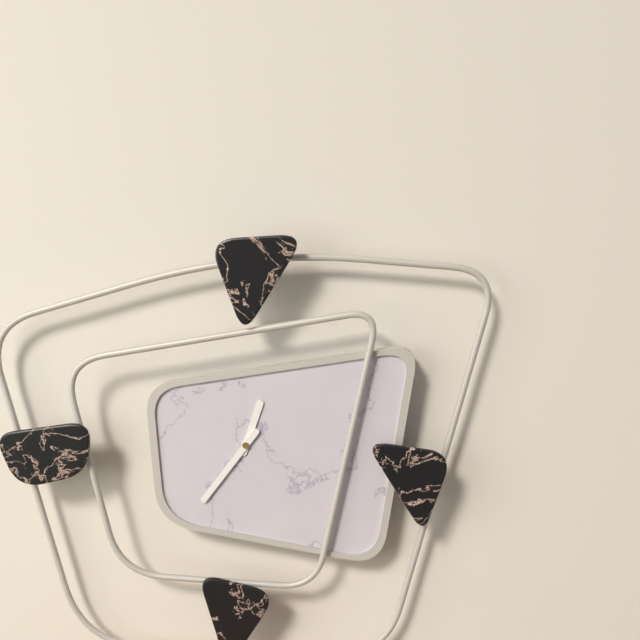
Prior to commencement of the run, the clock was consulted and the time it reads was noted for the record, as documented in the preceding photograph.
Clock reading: 12:36
